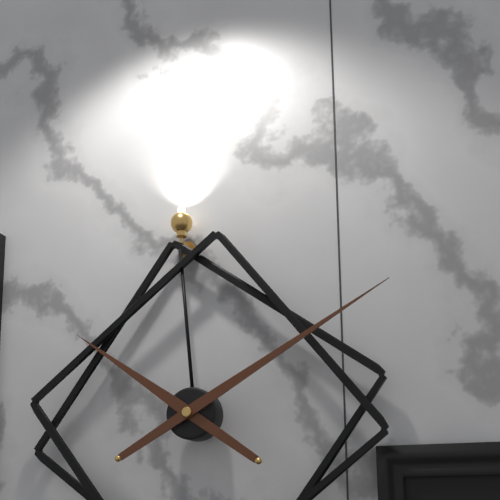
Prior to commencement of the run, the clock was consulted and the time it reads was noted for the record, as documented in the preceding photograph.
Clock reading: 10:10
